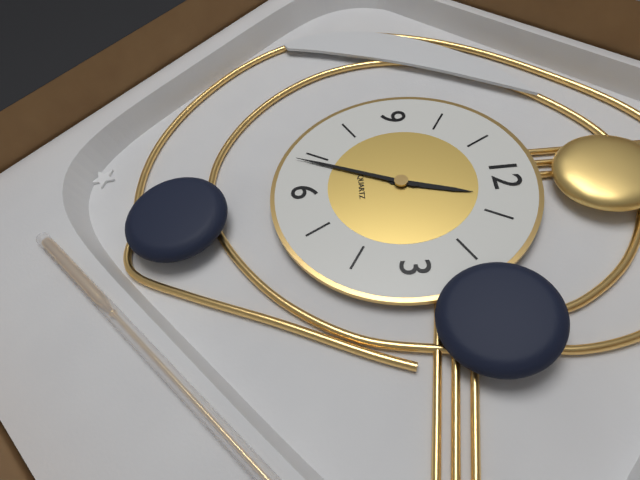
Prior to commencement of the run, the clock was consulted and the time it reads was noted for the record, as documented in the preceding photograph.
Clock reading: 12:34
